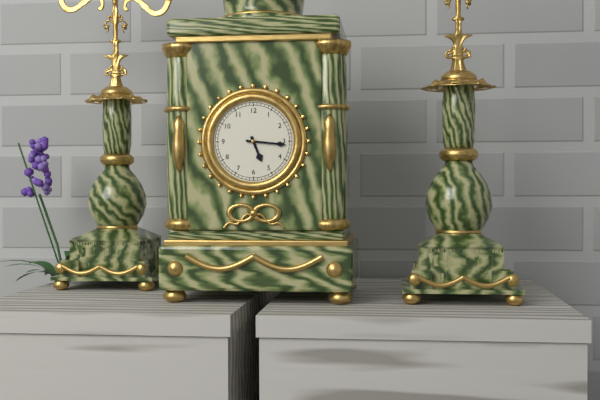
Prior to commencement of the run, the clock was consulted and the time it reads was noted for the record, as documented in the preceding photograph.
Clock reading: 5:16
